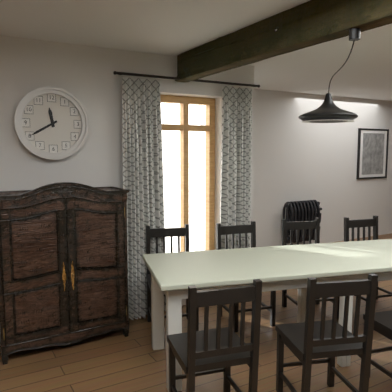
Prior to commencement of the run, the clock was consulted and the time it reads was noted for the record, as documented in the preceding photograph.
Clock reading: 11:40
